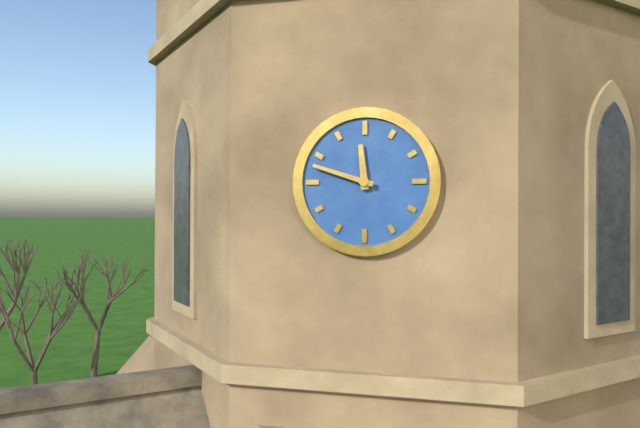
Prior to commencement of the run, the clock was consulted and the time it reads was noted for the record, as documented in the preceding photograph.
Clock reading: 11:48
